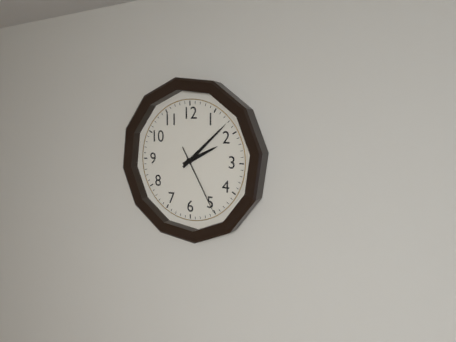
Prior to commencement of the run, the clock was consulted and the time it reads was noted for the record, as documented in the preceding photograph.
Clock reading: 2:08:25
